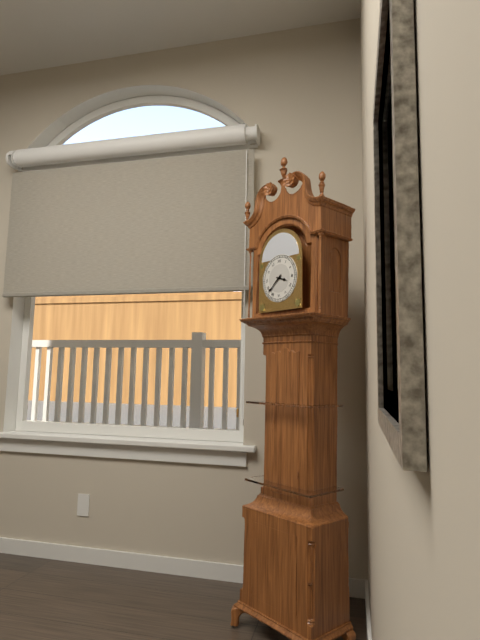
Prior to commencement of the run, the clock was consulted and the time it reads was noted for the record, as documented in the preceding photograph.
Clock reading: 3:38
